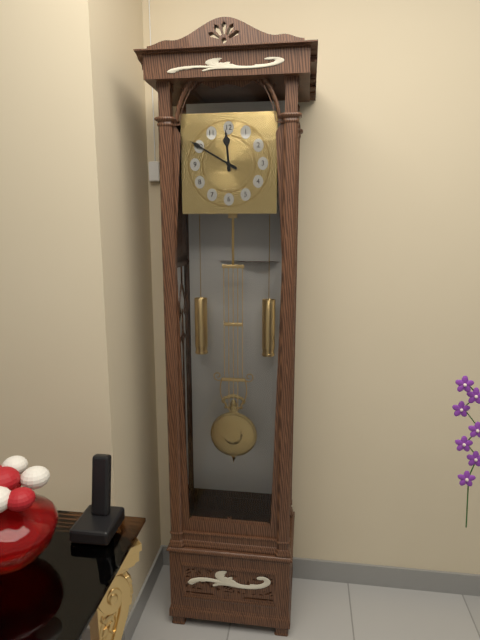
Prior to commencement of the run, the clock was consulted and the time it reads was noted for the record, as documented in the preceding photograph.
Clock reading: 11:50
